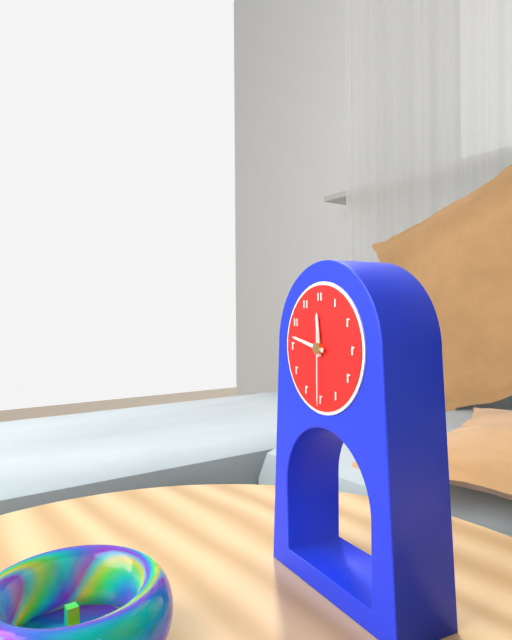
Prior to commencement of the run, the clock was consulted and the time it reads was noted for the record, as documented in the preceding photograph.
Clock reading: 11:47:30
